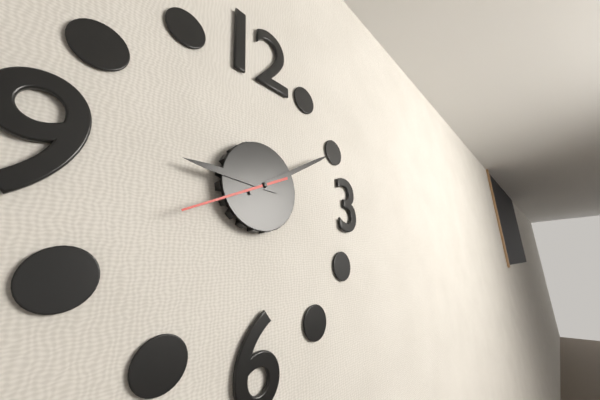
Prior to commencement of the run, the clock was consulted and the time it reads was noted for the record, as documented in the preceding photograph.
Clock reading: 9:10:41
